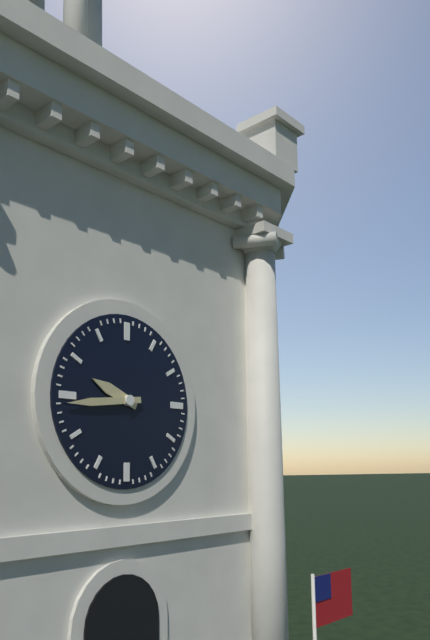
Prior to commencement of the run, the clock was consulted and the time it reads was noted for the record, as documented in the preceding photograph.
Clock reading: 9:44
